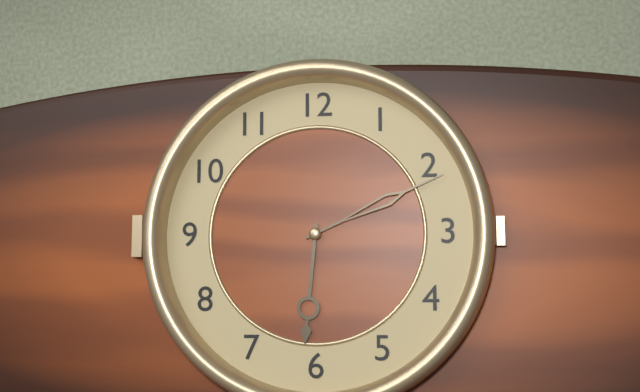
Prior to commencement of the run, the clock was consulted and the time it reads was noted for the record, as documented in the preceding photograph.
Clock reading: 6:11
